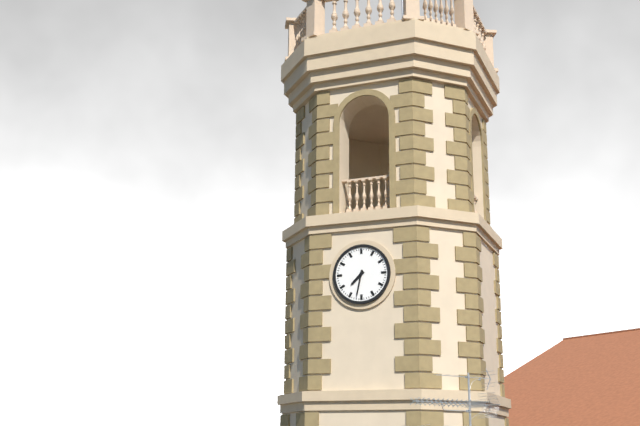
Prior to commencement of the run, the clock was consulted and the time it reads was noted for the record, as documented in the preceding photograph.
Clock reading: 7:32
